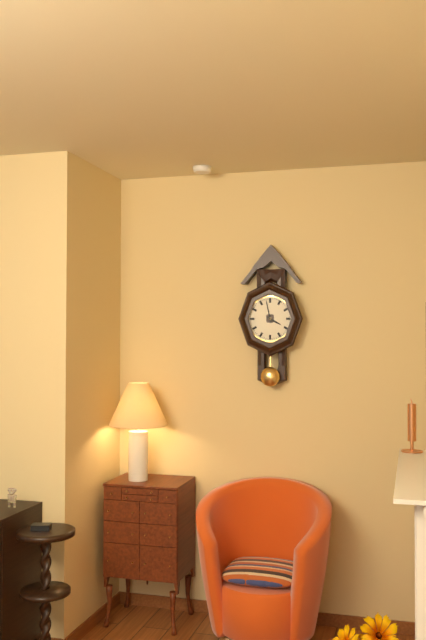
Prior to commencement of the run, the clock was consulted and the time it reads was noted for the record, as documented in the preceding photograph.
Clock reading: 3:58
